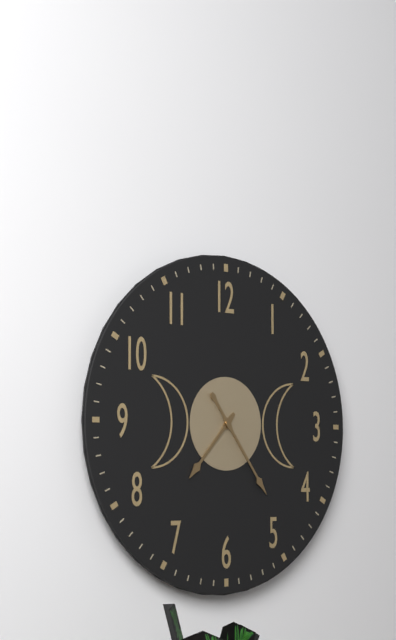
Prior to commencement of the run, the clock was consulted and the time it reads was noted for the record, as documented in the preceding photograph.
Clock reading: 7:24
